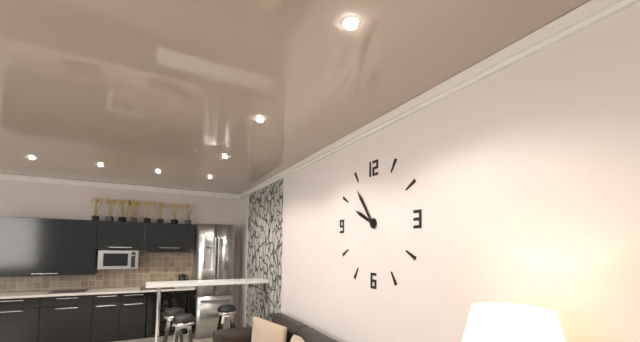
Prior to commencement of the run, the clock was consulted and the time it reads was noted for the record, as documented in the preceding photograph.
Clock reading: 9:54
